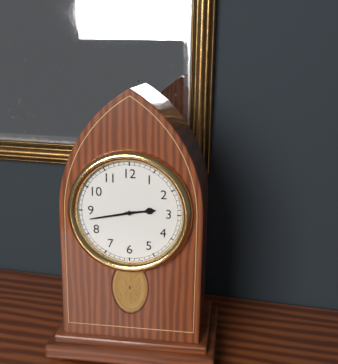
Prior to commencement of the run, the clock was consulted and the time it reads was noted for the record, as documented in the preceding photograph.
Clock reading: 2:43
